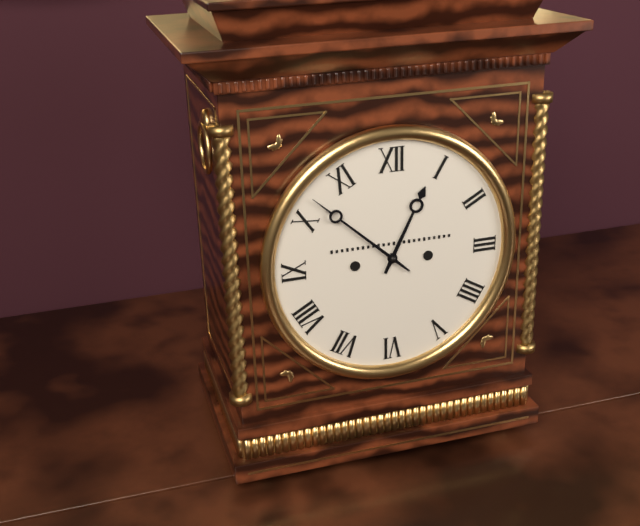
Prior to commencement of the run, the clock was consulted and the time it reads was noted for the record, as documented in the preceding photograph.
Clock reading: 12:52
